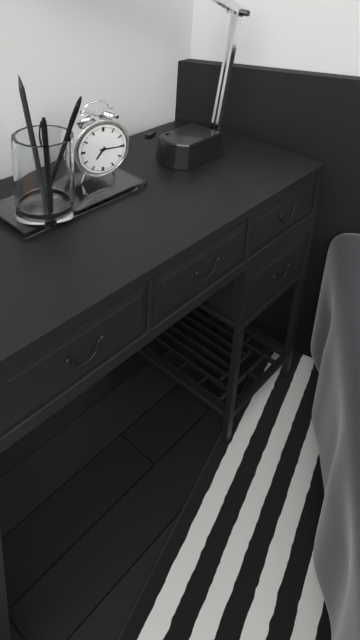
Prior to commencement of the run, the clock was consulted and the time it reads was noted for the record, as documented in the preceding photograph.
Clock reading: 7:15
